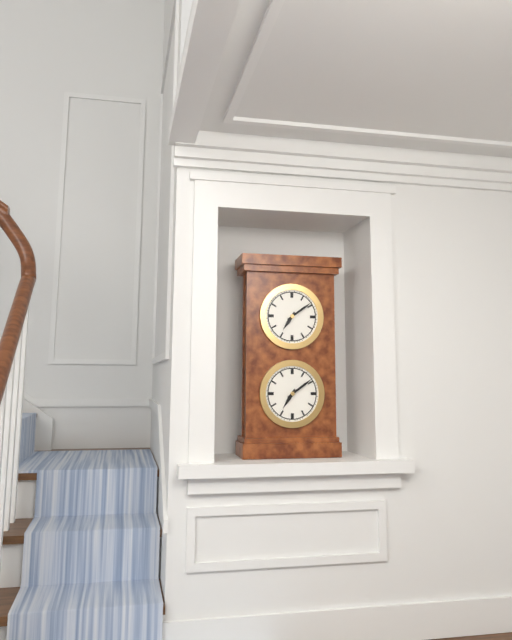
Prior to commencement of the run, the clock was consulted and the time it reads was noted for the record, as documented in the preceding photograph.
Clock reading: 7:09
